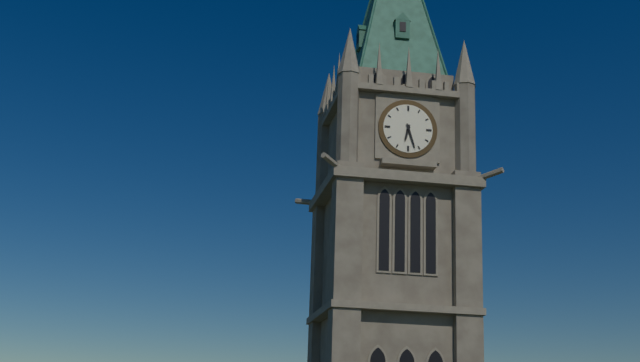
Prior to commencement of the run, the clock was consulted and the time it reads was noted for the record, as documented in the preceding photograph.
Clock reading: 6:27
